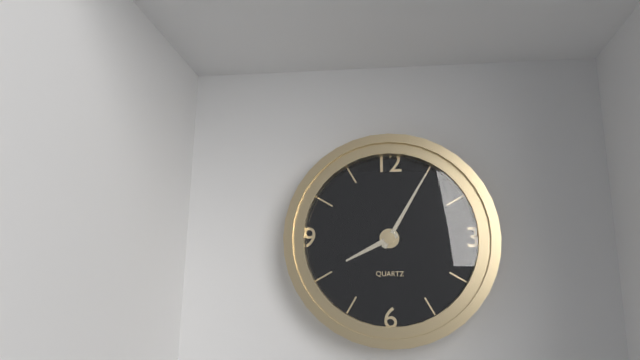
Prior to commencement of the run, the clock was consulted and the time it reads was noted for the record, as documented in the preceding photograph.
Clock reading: 8:05
